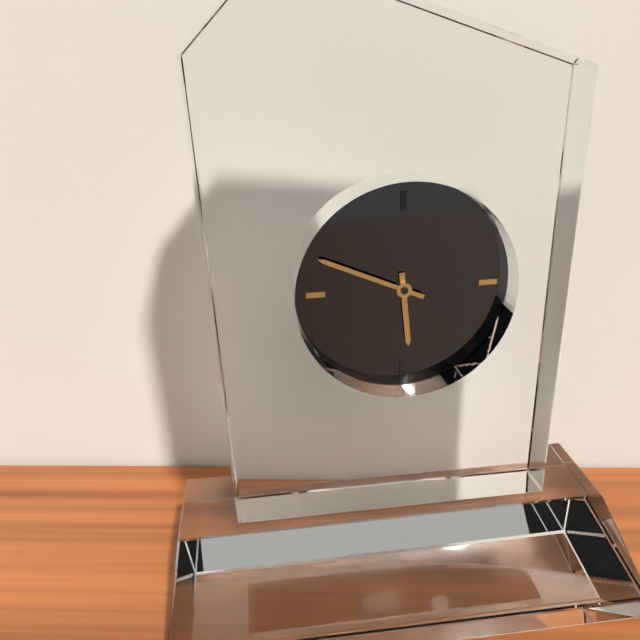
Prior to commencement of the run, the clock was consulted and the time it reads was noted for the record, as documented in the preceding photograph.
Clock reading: 5:49
